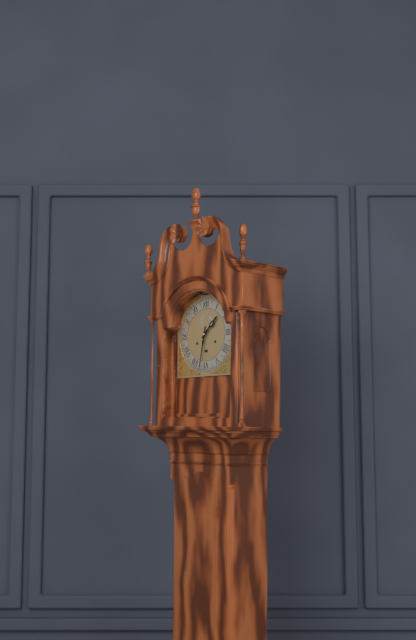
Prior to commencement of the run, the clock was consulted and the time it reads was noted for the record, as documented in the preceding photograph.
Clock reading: 1:32
